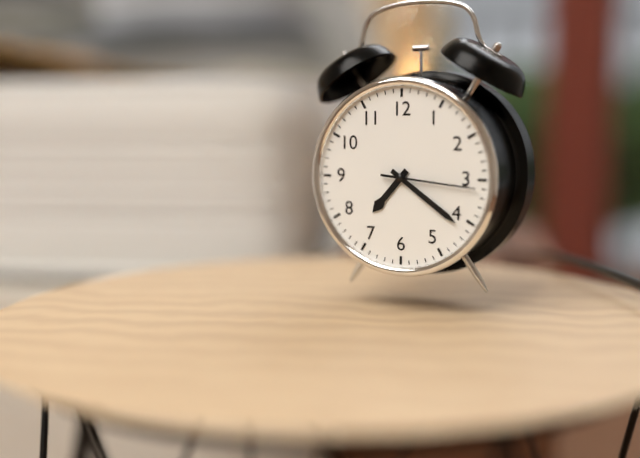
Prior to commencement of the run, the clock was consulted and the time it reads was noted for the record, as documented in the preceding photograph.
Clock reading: 7:21:16
